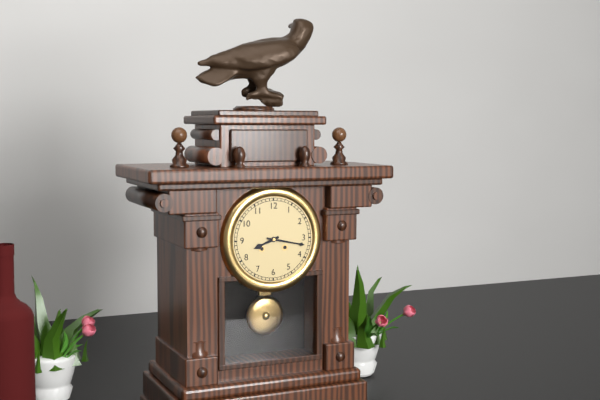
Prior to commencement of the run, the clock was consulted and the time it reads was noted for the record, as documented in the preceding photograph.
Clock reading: 8:17
